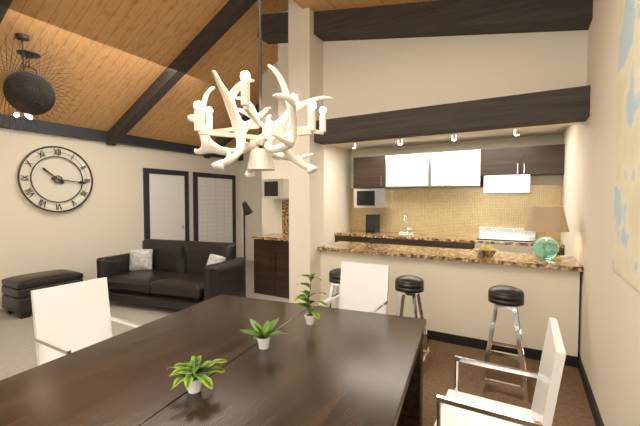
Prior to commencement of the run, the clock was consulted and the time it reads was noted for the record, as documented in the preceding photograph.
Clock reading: 10:16
